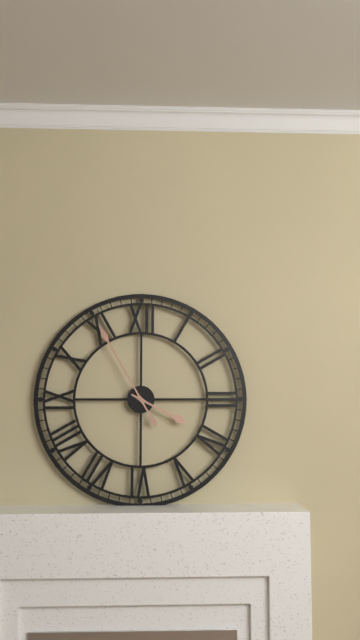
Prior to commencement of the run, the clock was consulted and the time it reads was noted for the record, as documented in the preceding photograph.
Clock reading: 3:55
